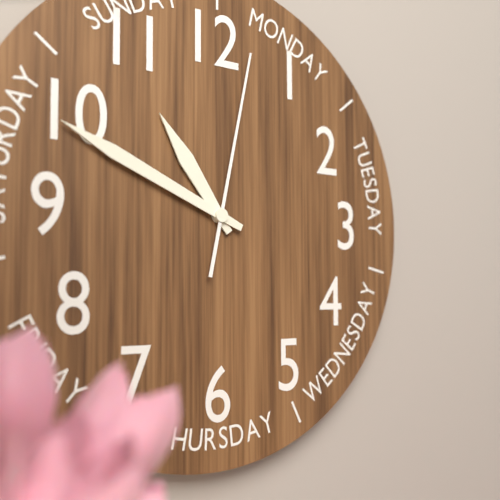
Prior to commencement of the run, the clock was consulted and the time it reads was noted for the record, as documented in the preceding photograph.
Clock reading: 10:49:02
